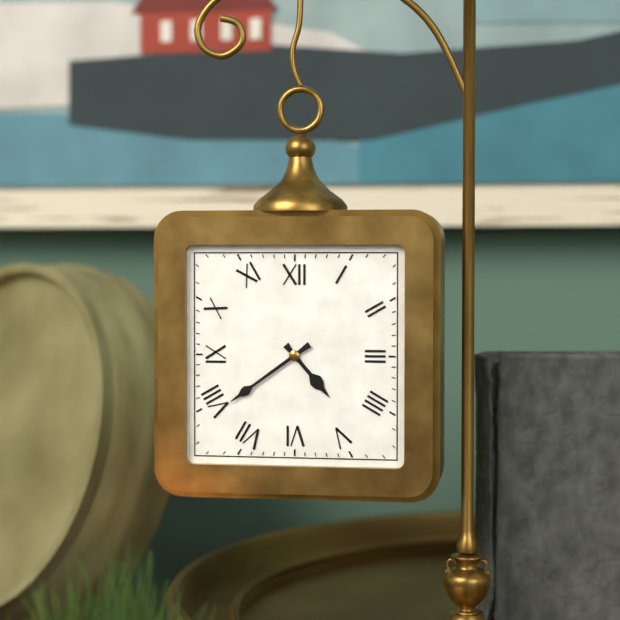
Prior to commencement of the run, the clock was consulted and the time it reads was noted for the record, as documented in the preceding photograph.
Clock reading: 4:39
